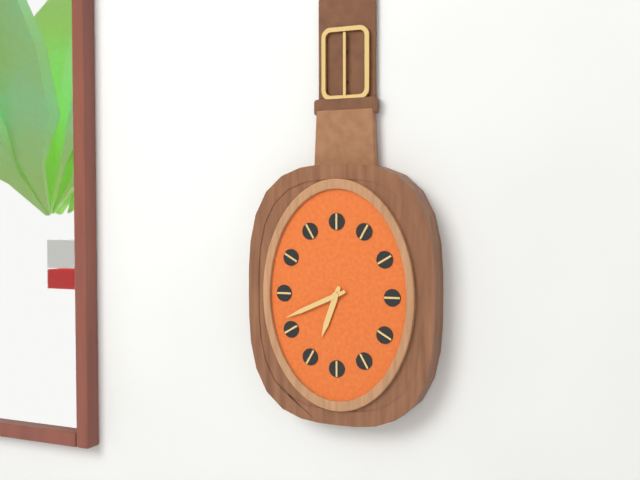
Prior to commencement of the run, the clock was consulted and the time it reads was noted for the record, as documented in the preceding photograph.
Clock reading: 6:41
